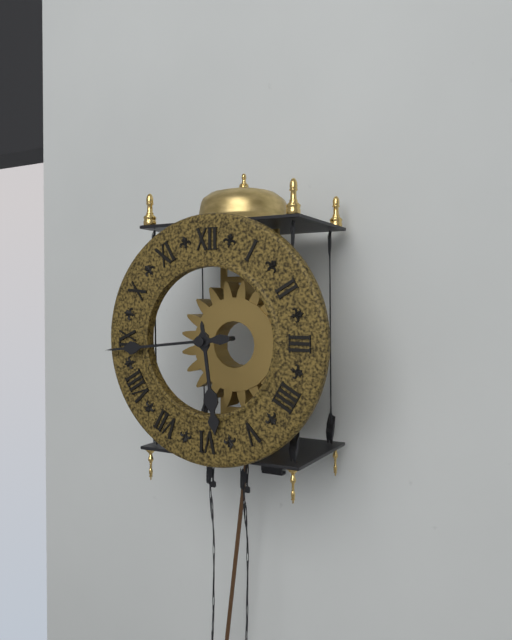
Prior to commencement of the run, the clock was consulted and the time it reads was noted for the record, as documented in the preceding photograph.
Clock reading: 5:44
